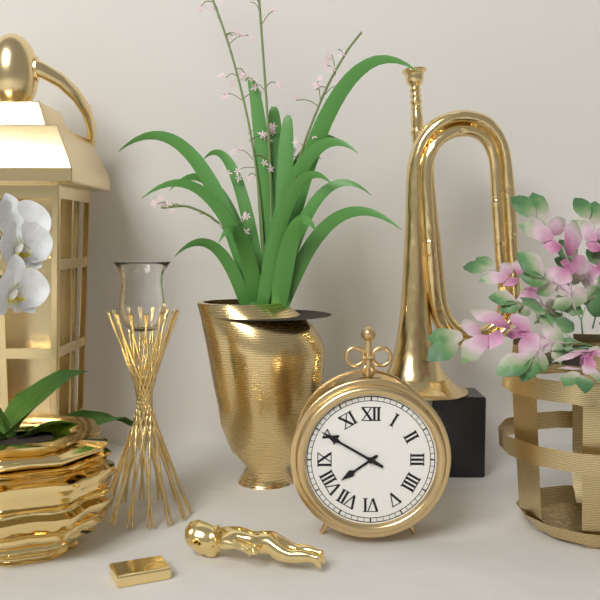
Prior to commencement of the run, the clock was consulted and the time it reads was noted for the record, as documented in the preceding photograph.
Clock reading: 7:50
